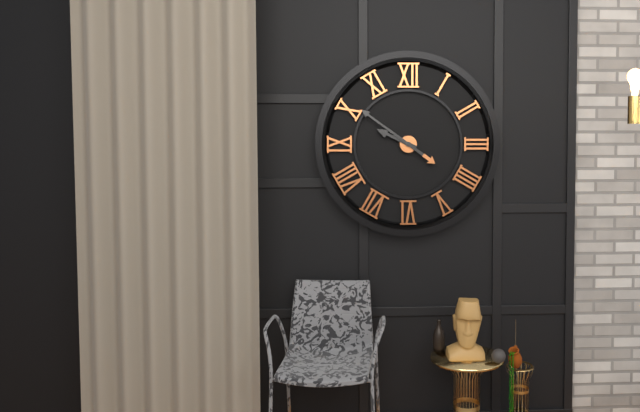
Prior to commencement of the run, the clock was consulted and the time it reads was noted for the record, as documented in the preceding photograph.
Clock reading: 9:51
